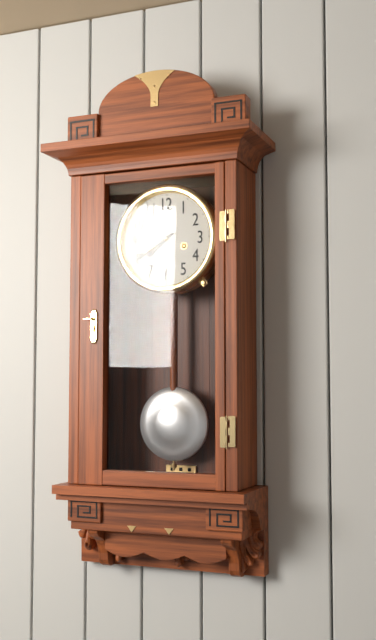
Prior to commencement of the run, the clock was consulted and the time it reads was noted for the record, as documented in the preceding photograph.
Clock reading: 7:40
